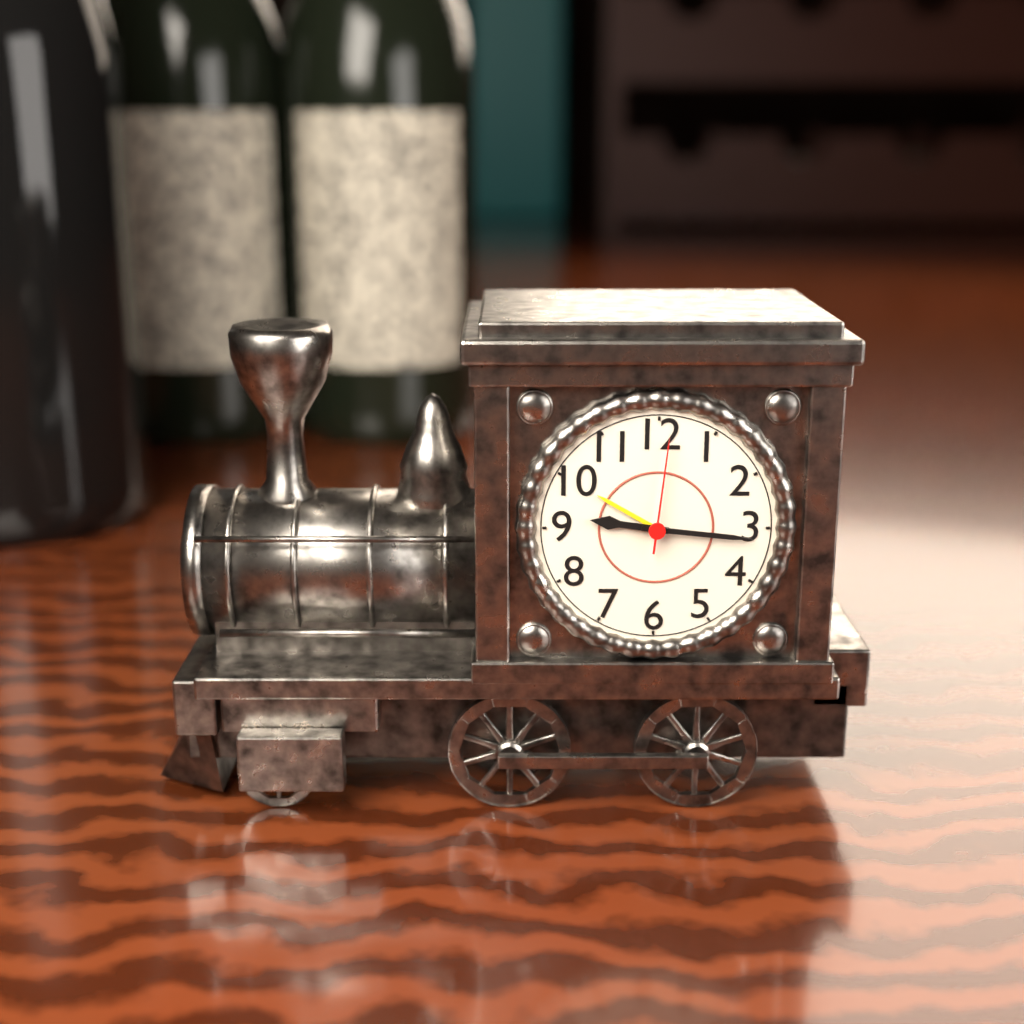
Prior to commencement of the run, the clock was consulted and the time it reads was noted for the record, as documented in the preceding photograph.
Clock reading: 9:16:01
